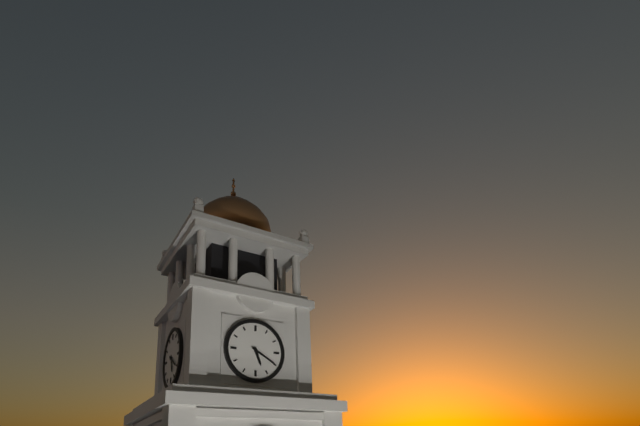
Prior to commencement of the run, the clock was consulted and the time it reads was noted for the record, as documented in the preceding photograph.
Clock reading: 5:20
